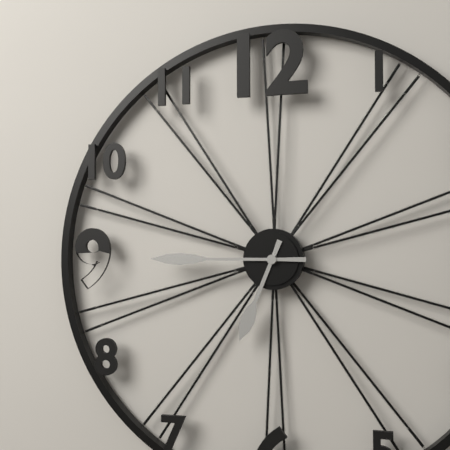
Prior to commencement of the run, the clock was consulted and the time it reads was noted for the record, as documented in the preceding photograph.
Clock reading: 6:45
